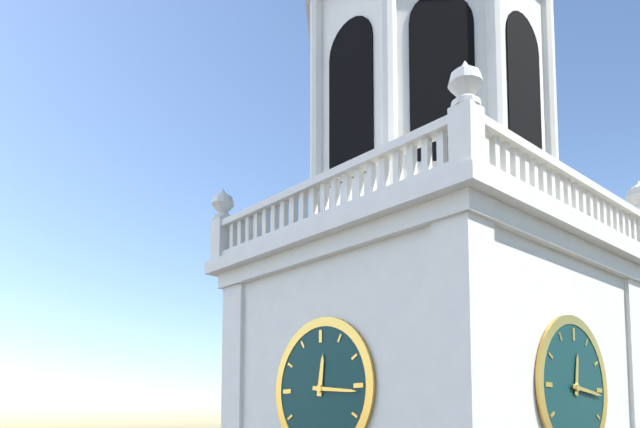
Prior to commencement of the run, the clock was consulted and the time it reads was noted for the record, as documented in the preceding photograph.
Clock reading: 12:16
